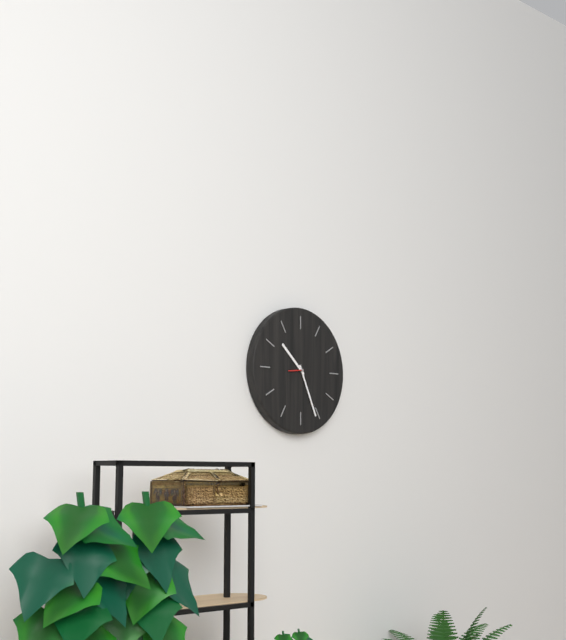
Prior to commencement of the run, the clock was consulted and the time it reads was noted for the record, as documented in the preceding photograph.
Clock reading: 10:26
